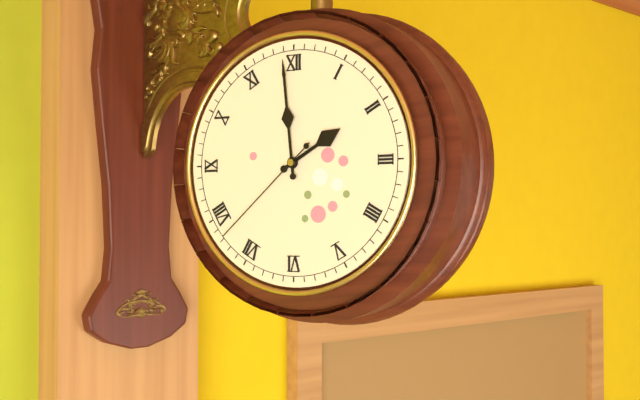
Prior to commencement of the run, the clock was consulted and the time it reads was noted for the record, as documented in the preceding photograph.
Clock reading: 1:59:38
